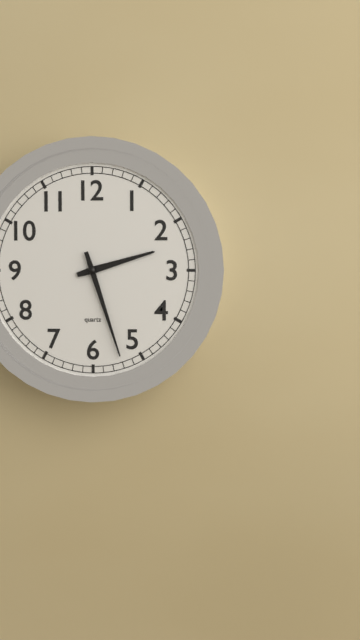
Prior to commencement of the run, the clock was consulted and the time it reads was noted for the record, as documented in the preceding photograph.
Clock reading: 2:27
